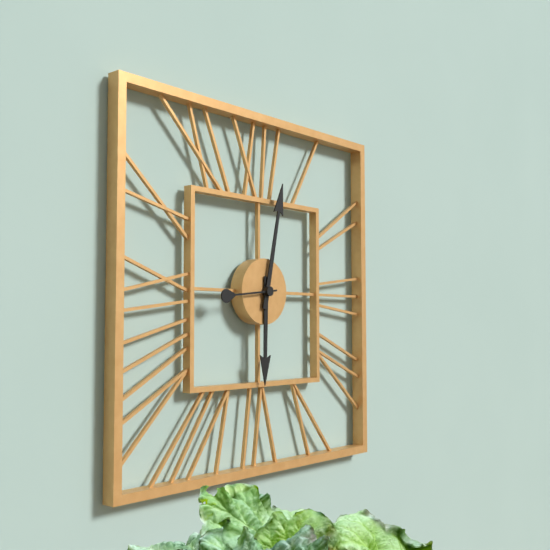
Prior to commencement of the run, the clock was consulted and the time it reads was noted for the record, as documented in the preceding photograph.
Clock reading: 6:02
